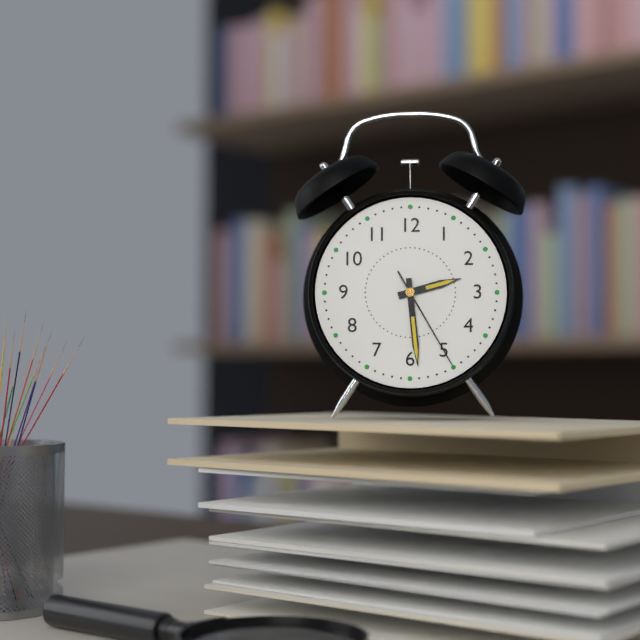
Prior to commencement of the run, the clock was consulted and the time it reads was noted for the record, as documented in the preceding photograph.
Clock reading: 2:29:25
